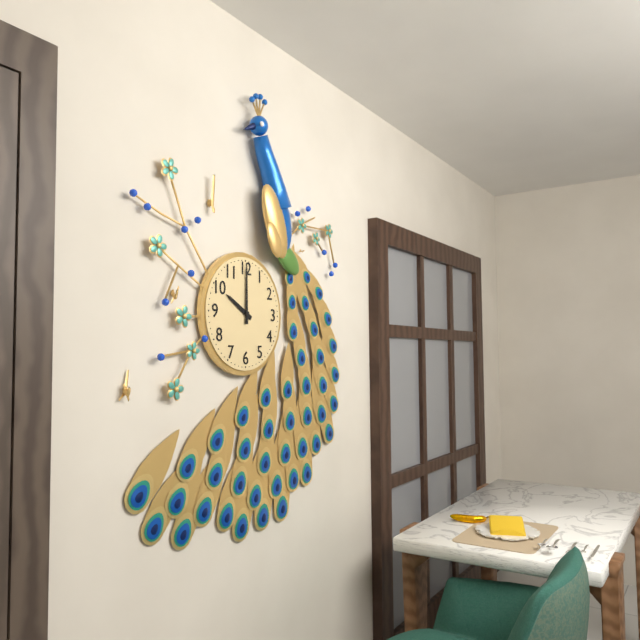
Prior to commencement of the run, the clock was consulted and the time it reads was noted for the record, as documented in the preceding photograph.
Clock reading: 10:00
